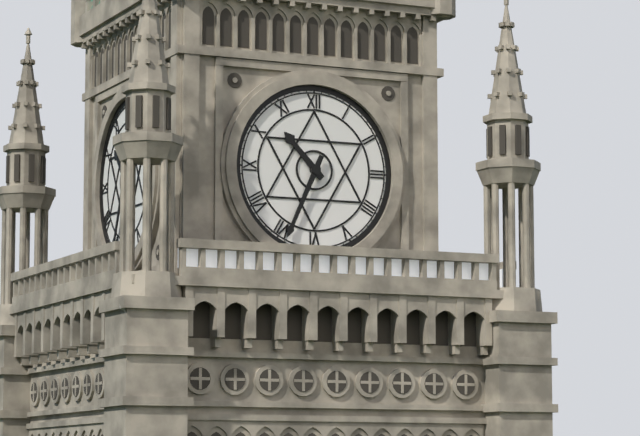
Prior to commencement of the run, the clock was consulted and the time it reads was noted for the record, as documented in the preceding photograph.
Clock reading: 10:34
